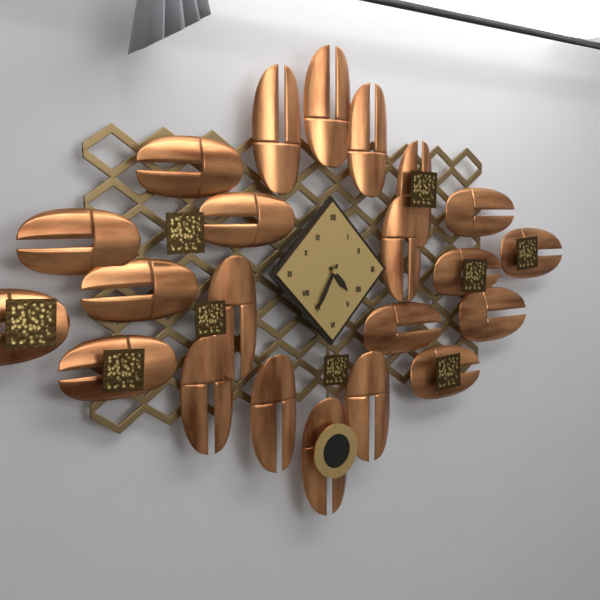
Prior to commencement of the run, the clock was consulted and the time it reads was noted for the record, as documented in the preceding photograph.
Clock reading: 4:35
